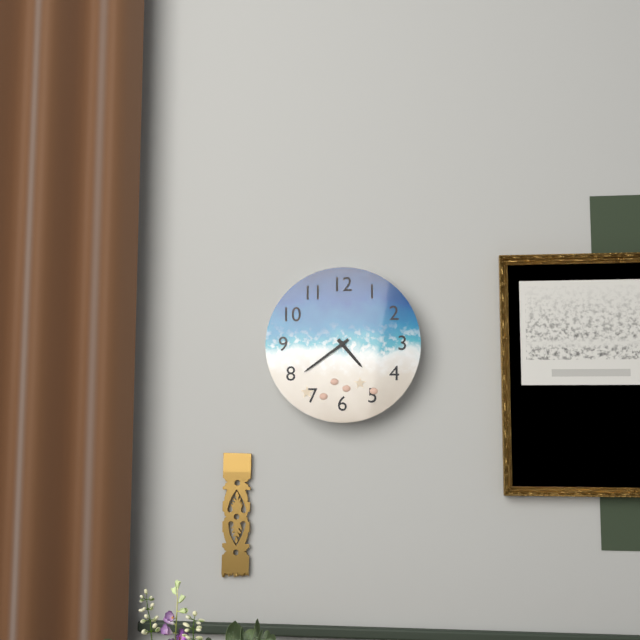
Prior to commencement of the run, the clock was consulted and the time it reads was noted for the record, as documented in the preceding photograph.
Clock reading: 4:39
